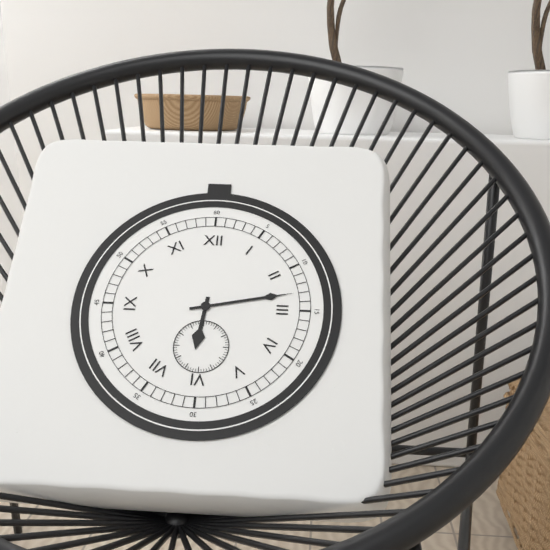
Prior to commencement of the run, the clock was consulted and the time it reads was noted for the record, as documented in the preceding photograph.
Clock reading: 6:13
